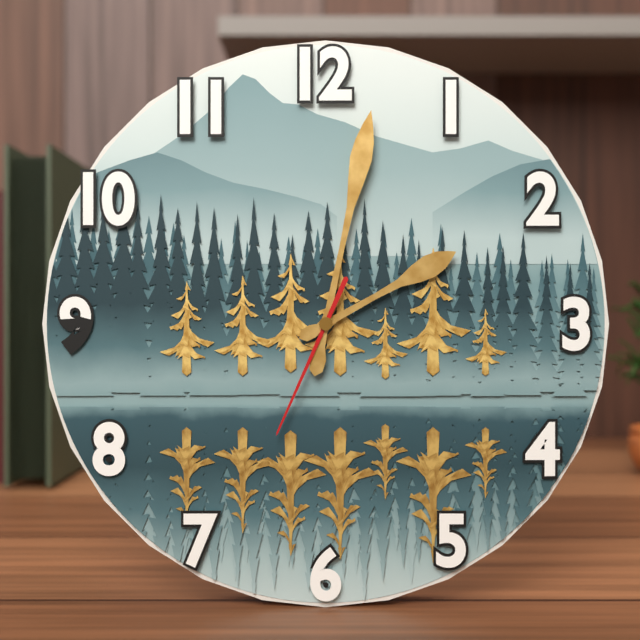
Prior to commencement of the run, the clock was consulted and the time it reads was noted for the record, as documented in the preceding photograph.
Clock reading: 2:02:34
